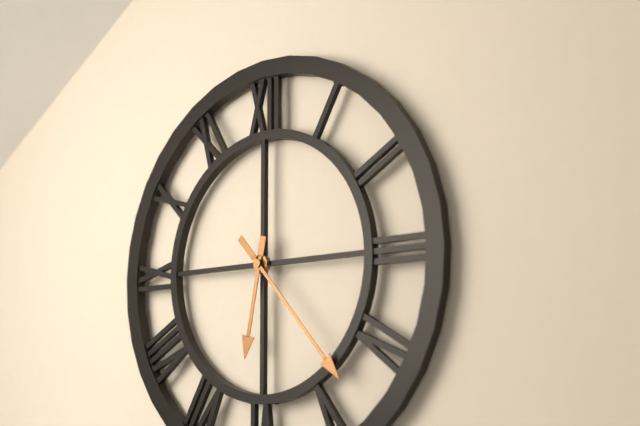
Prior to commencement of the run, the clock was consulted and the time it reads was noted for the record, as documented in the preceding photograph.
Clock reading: 6:23
